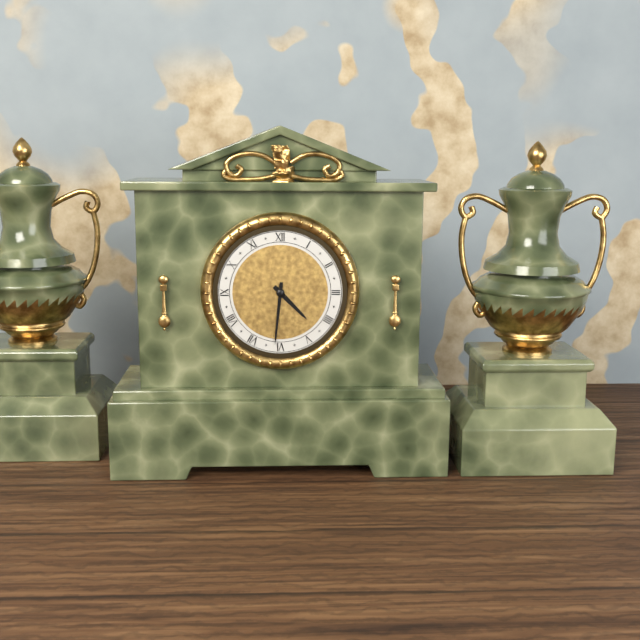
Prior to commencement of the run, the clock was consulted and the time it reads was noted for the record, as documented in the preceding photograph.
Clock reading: 4:31
